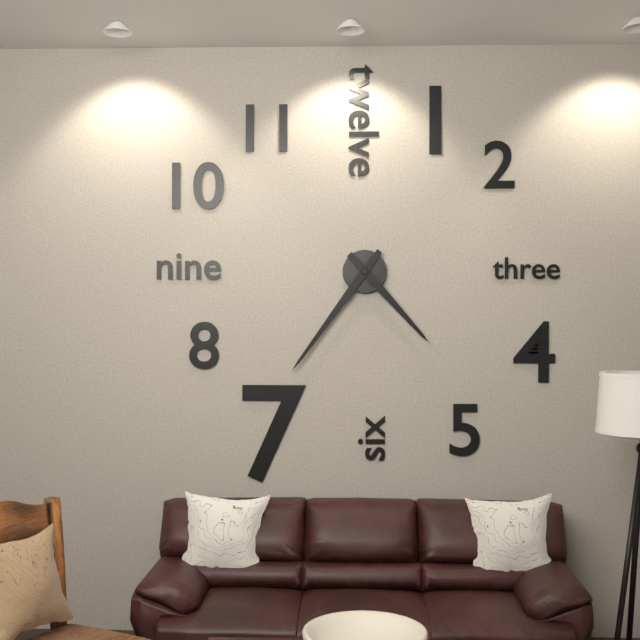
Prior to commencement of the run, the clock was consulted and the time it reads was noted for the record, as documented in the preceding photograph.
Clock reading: 4:36
